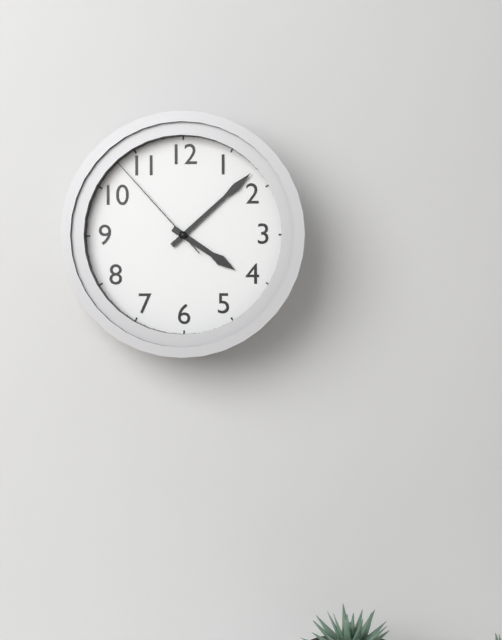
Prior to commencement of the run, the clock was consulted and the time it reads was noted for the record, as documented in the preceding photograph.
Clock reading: 4:08:53
